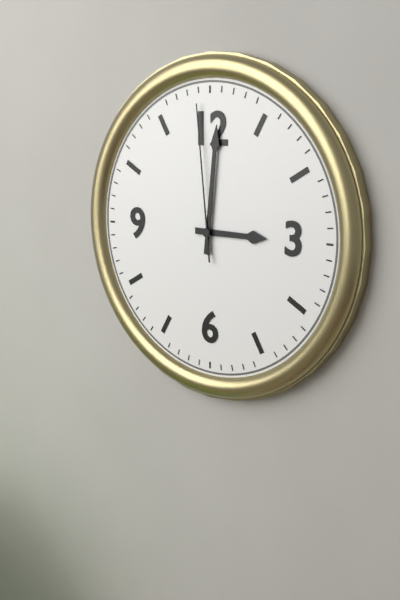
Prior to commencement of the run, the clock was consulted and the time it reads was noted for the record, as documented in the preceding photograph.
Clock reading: 3:01:59
